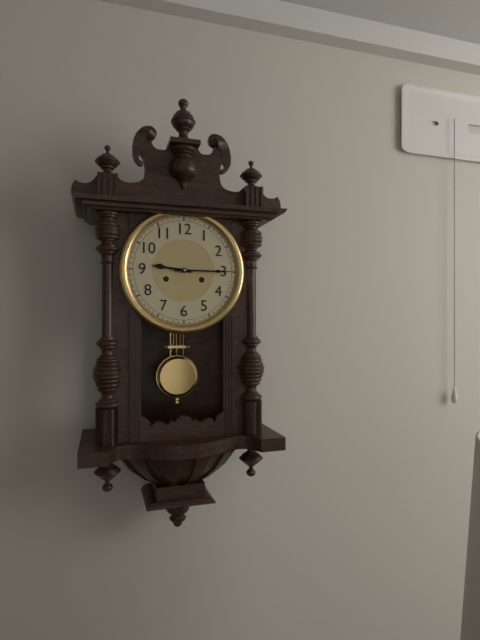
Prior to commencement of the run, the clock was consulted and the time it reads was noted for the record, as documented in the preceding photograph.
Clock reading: 9:15
